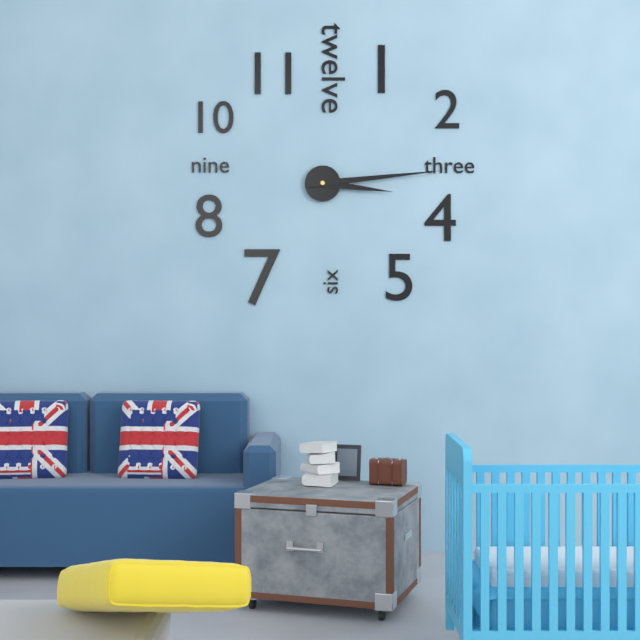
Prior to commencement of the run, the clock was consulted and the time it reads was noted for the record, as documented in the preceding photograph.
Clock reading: 3:14
